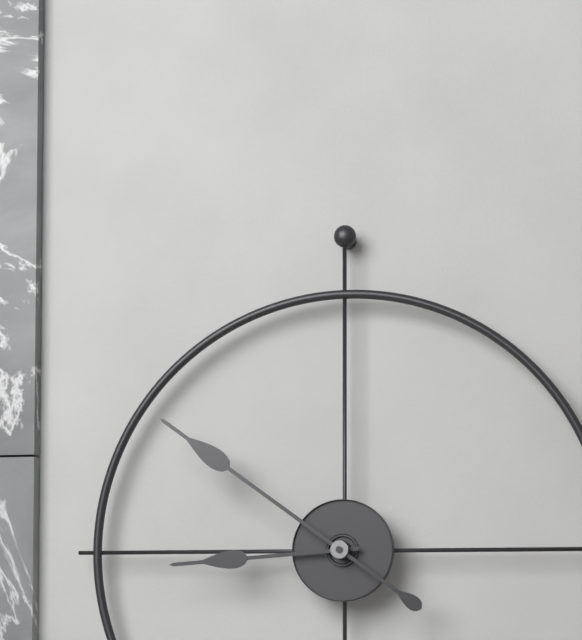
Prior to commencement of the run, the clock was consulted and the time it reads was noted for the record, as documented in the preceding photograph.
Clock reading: 8:51
